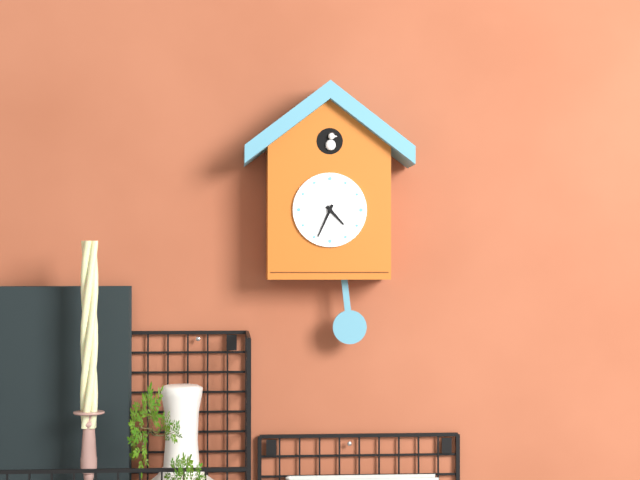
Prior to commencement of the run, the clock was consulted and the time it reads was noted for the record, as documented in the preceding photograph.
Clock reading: 4:34
